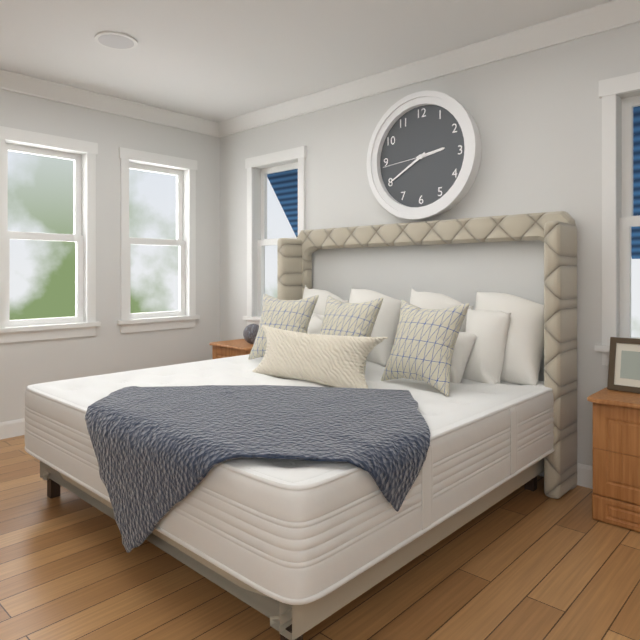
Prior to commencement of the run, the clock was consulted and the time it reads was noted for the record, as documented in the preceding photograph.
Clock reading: 2:40
